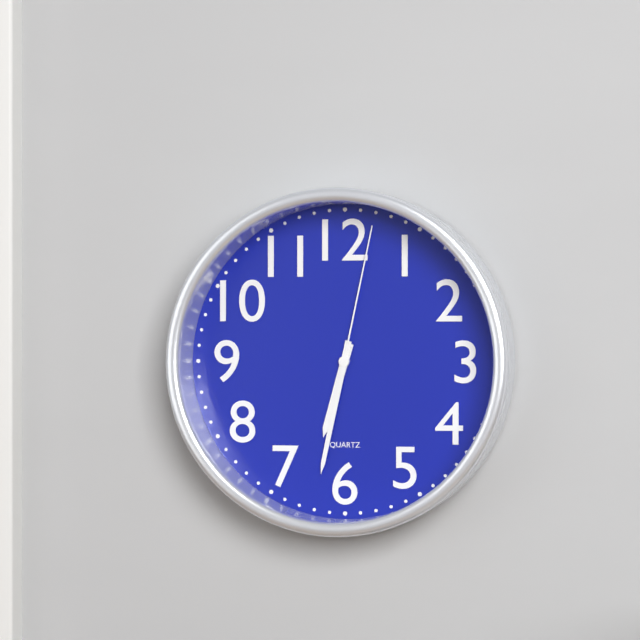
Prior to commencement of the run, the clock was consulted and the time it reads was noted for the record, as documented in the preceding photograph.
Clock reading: 6:32:02
